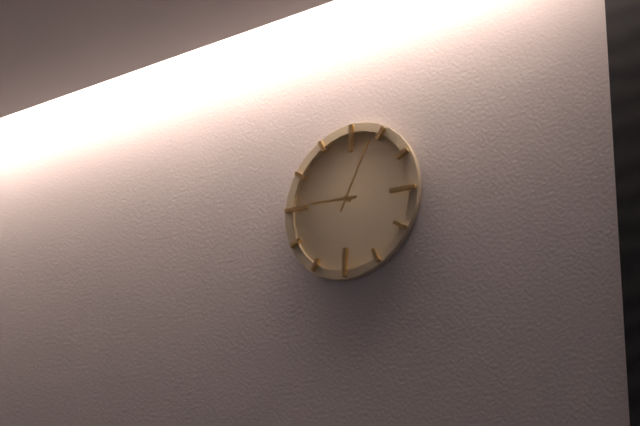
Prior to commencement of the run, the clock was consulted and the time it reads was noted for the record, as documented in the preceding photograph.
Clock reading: 9:04
